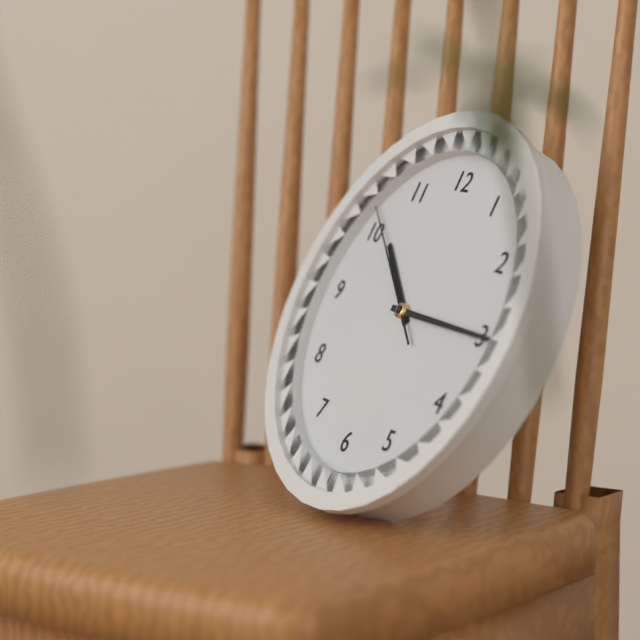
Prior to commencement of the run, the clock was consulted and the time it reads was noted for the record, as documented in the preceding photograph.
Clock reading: 10:15:51
